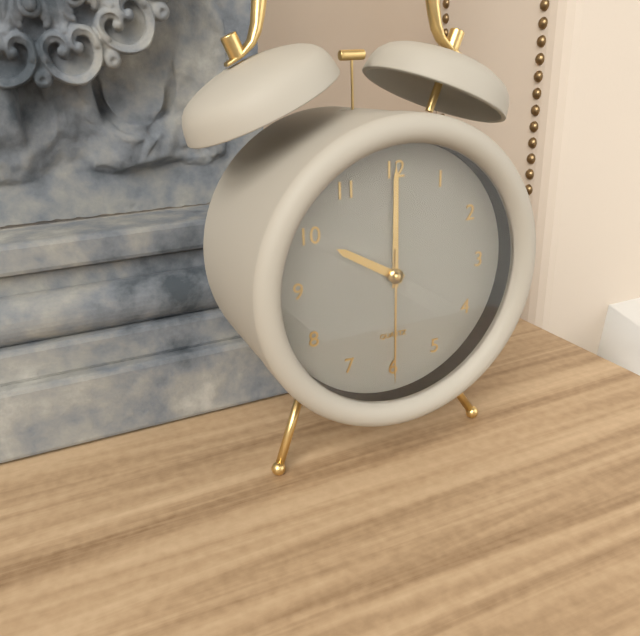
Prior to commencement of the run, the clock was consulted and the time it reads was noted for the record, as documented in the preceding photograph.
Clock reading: 10:00:30
